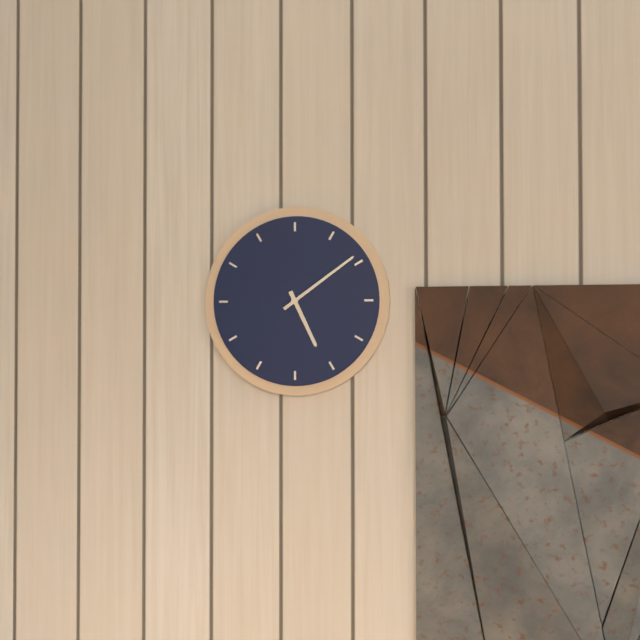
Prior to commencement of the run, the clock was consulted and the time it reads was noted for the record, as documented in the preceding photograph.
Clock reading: 5:09
